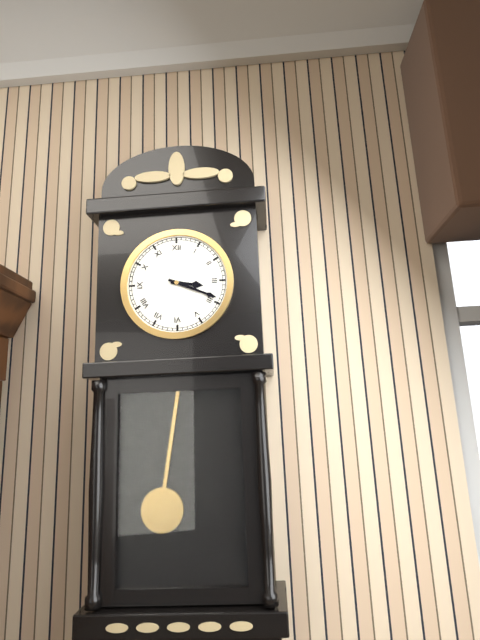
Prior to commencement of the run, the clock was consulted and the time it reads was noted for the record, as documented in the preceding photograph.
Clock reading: 3:19
